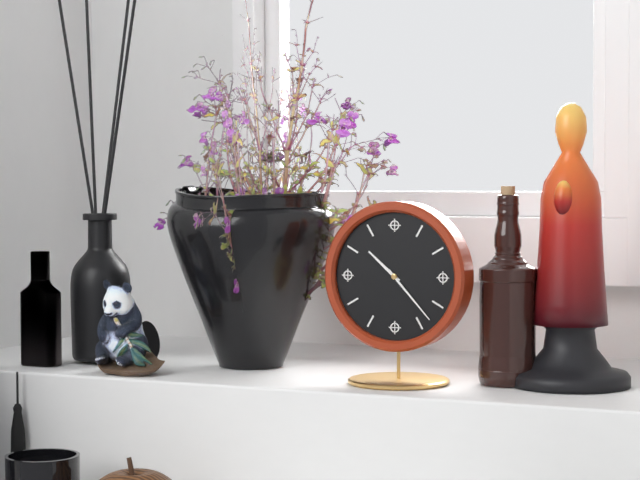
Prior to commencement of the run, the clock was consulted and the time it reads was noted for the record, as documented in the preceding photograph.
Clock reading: 10:23
